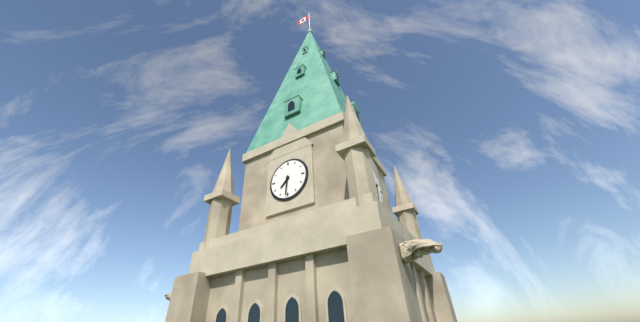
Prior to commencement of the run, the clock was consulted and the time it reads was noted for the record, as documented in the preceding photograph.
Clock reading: 7:31
